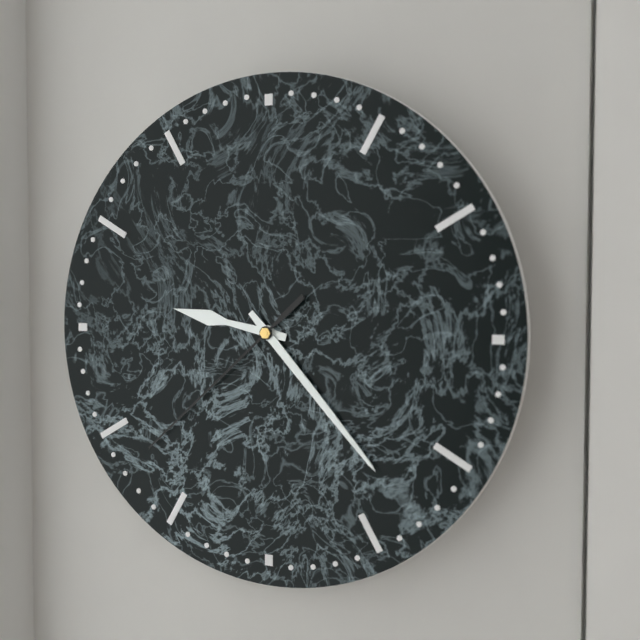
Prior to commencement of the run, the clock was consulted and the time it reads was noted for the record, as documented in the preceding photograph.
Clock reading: 9:23:38
